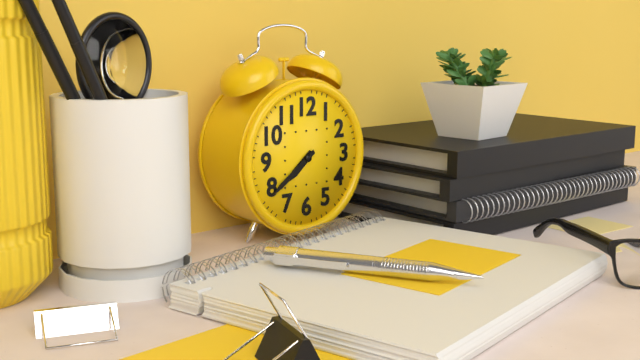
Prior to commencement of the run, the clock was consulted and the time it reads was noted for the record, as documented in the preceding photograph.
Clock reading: 7:39
